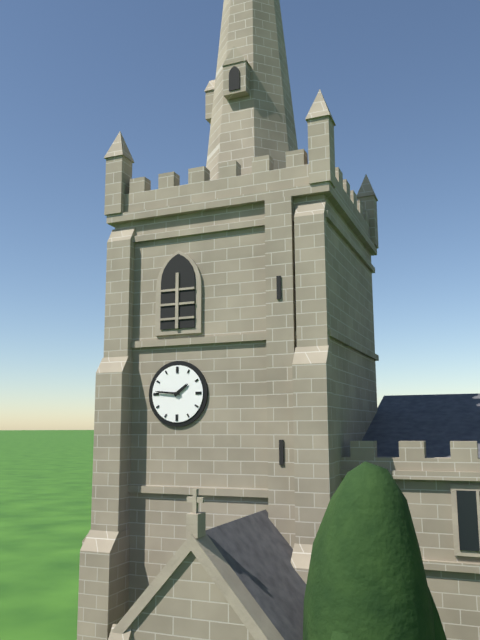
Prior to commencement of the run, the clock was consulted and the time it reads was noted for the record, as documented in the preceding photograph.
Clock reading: 1:46
